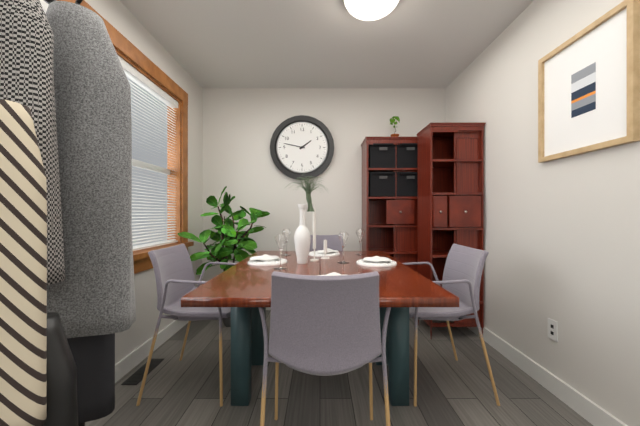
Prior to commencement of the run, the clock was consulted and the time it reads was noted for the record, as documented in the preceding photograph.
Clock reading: 1:47
